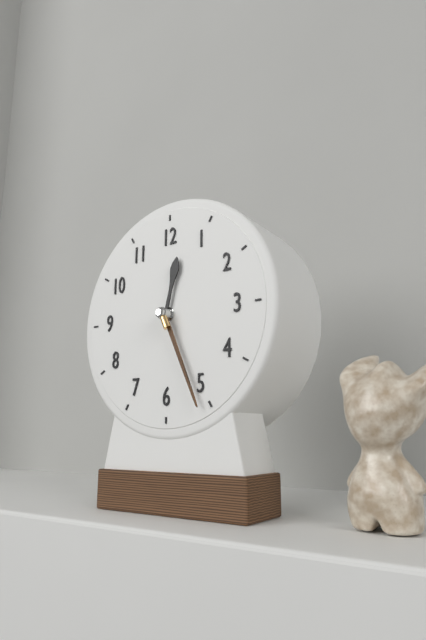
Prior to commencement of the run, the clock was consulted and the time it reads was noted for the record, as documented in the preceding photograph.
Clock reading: 12:26
